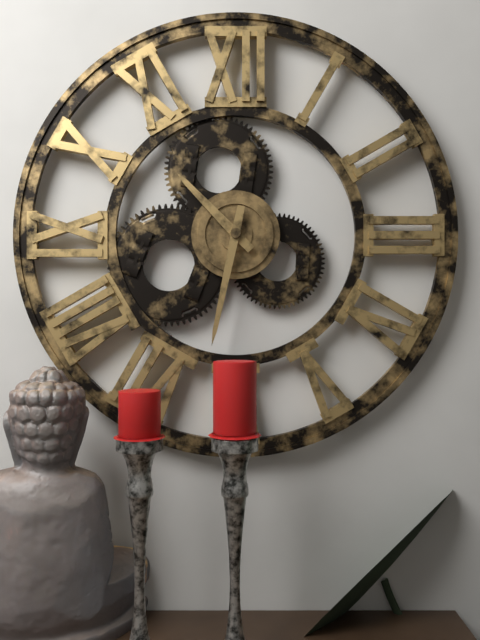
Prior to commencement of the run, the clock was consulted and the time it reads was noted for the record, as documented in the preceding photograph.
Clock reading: 10:32
